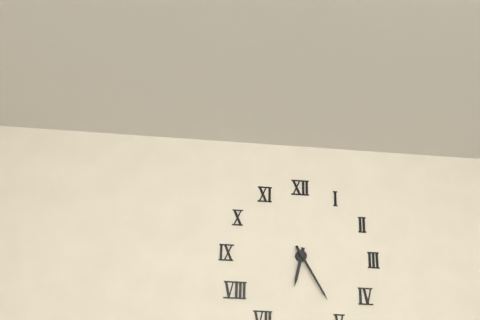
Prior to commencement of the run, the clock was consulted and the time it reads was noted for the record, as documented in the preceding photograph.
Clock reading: 6:25
